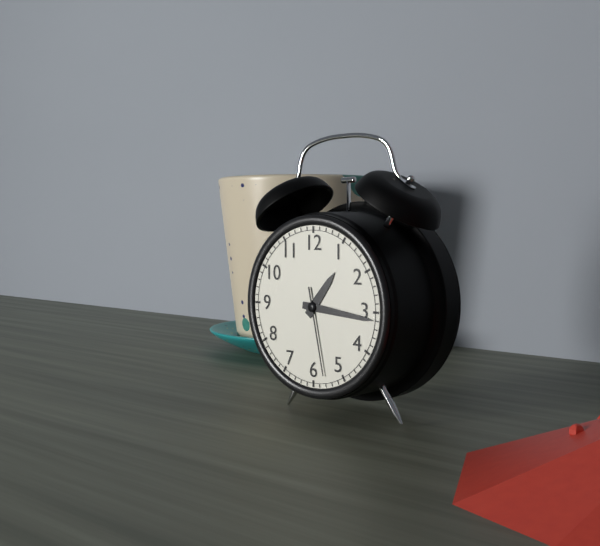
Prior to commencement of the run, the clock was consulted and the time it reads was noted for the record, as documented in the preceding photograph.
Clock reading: 1:16:28
